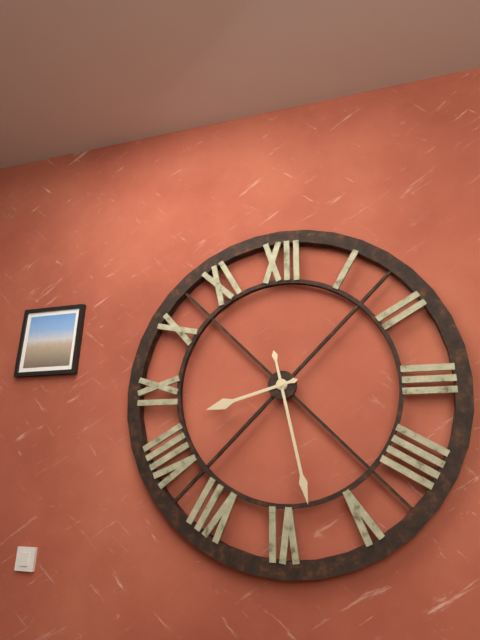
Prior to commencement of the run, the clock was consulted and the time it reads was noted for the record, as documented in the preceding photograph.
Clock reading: 8:28
